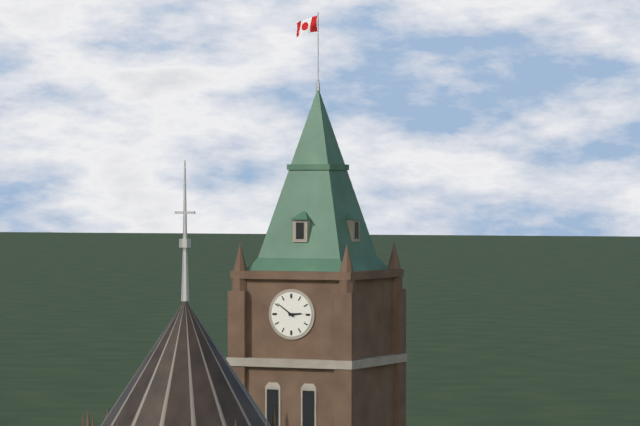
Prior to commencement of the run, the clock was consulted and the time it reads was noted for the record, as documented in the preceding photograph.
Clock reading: 2:51
